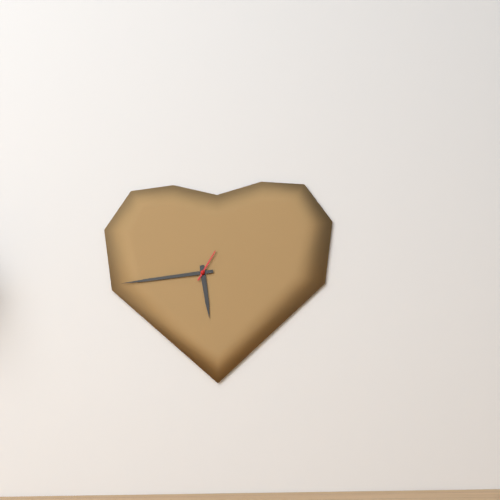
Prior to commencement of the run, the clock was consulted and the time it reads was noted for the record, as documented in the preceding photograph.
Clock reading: 5:44
